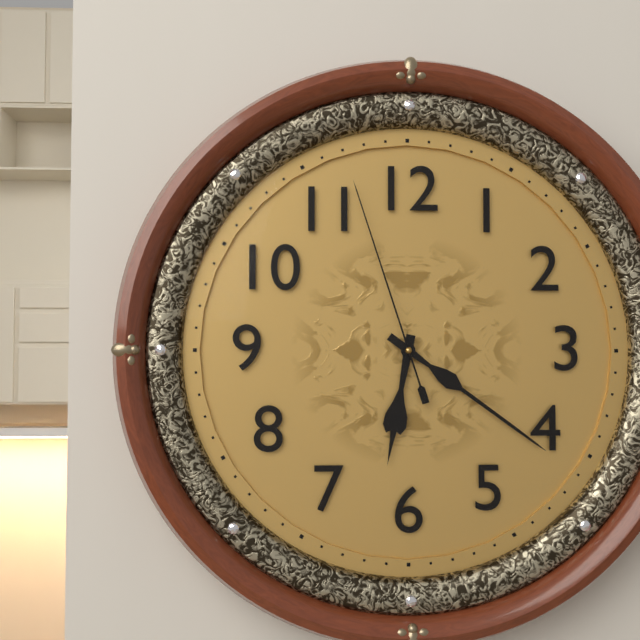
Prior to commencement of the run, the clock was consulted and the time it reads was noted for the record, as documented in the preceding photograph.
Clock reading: 6:21:57
